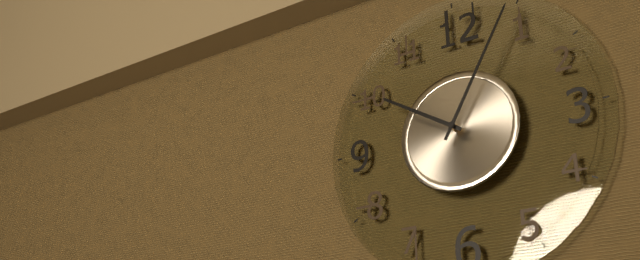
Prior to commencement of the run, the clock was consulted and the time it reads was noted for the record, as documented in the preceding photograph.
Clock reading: 10:05
